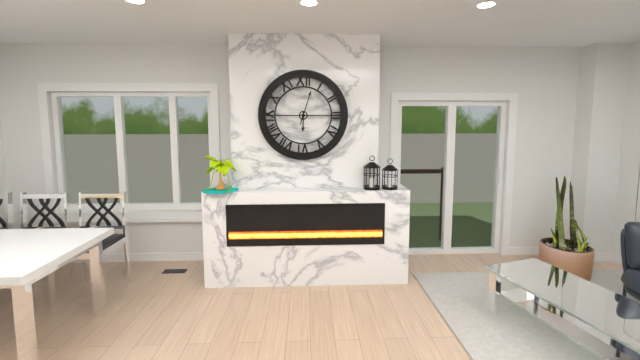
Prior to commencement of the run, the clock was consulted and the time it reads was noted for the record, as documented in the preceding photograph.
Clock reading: 6:03
